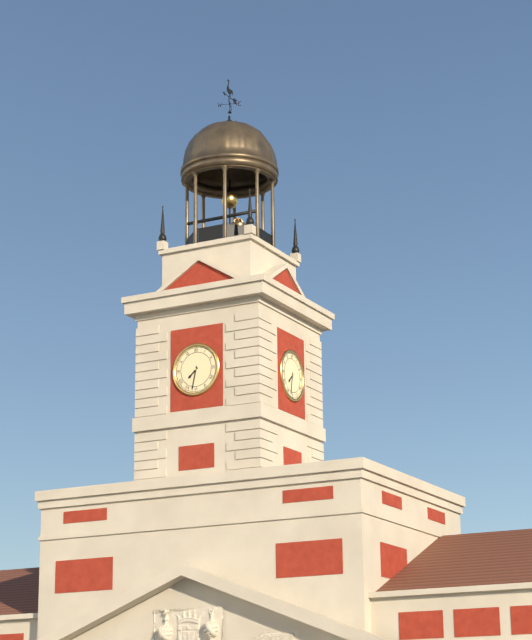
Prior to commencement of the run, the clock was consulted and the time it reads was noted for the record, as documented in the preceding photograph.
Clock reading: 7:32
